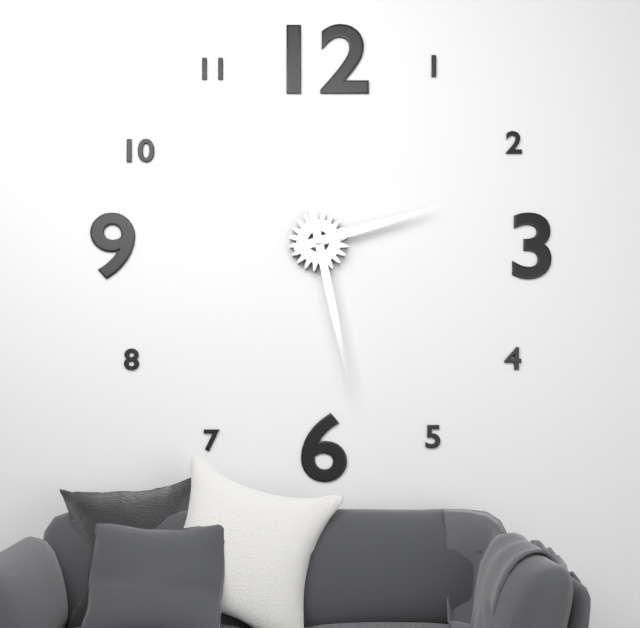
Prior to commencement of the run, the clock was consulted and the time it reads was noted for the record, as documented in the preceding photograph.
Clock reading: 2:28
